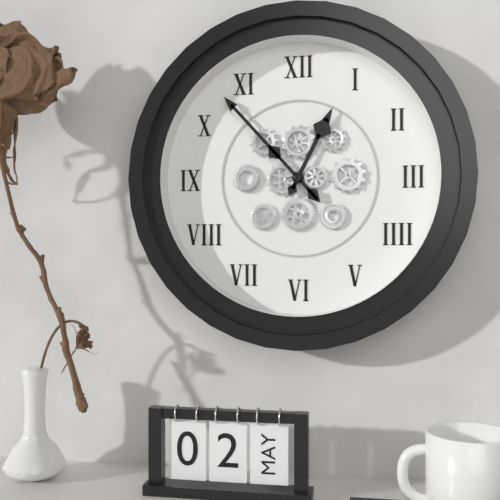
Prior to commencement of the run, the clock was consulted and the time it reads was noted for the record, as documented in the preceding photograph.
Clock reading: 12:53
